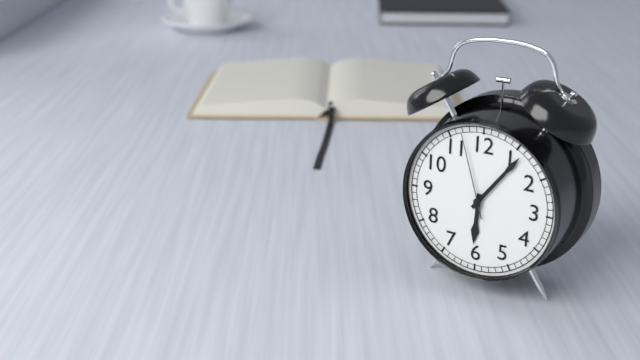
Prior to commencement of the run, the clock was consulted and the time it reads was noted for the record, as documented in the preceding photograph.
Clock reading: 6:06:57
